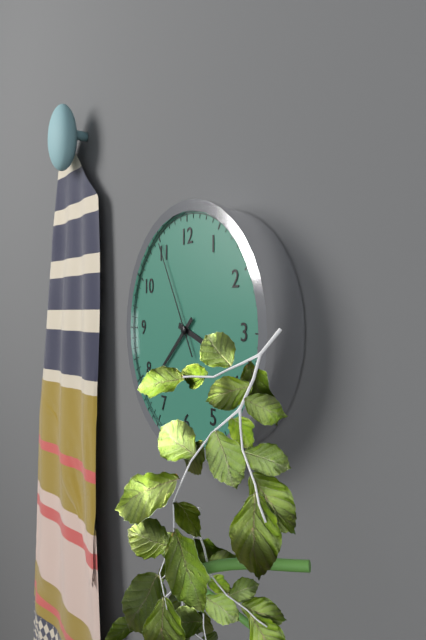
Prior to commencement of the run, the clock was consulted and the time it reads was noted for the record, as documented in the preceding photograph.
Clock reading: 3:38:55
